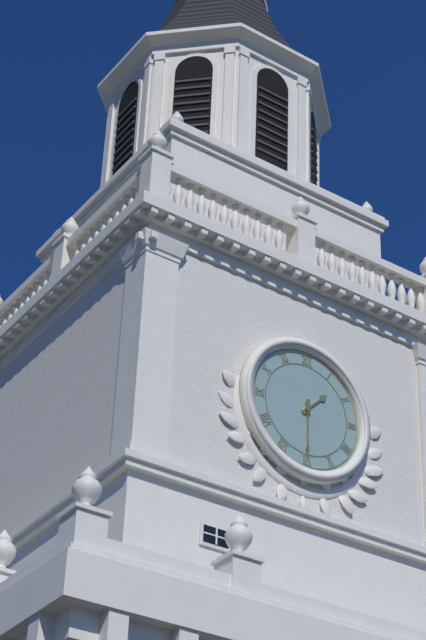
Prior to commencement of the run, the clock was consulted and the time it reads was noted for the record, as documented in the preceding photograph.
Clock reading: 1:30
